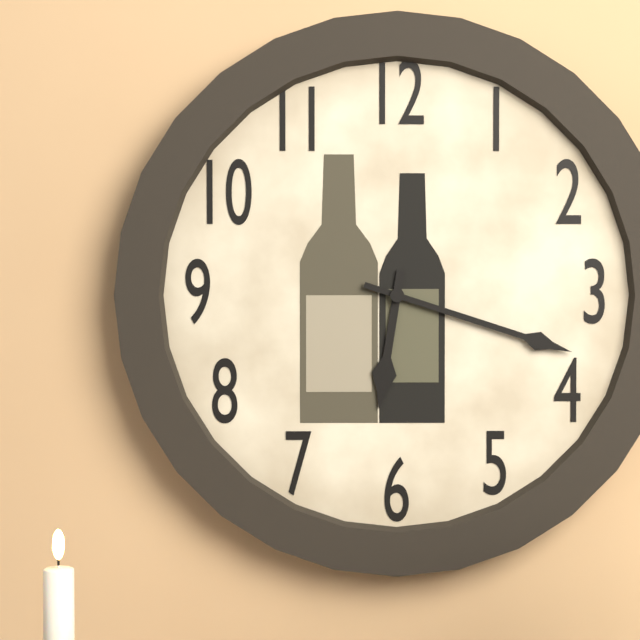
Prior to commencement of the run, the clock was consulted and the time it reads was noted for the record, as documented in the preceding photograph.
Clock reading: 6:18
